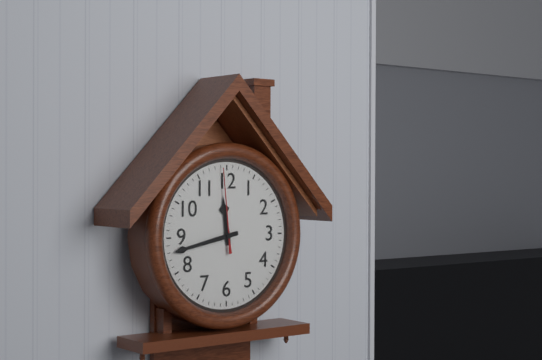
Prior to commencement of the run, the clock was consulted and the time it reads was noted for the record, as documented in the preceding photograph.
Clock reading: 11:43:59
